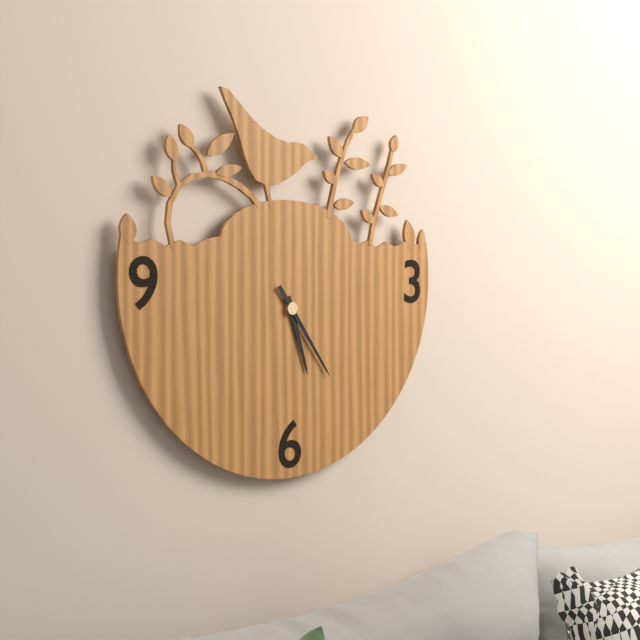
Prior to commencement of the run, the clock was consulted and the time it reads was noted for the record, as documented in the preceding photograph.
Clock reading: 5:24
